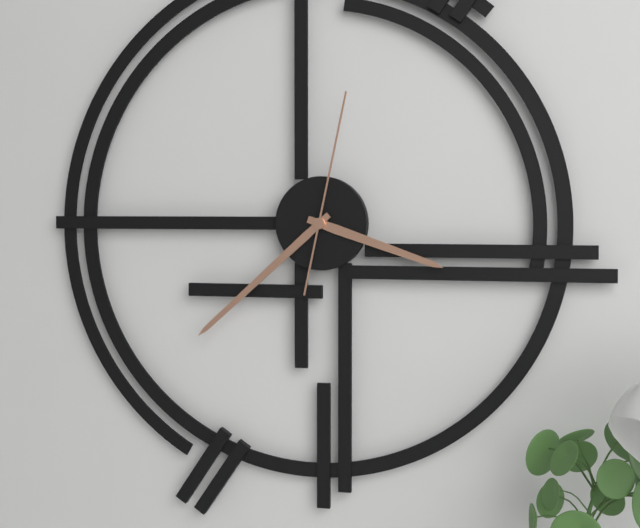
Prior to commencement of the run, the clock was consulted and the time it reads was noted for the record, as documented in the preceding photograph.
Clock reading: 3:38:02
